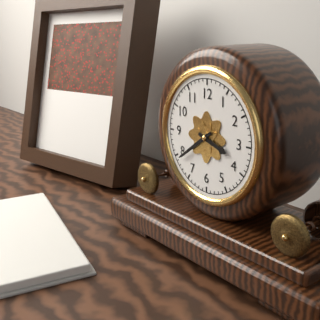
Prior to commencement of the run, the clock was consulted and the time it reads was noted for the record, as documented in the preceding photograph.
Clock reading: 3:39
